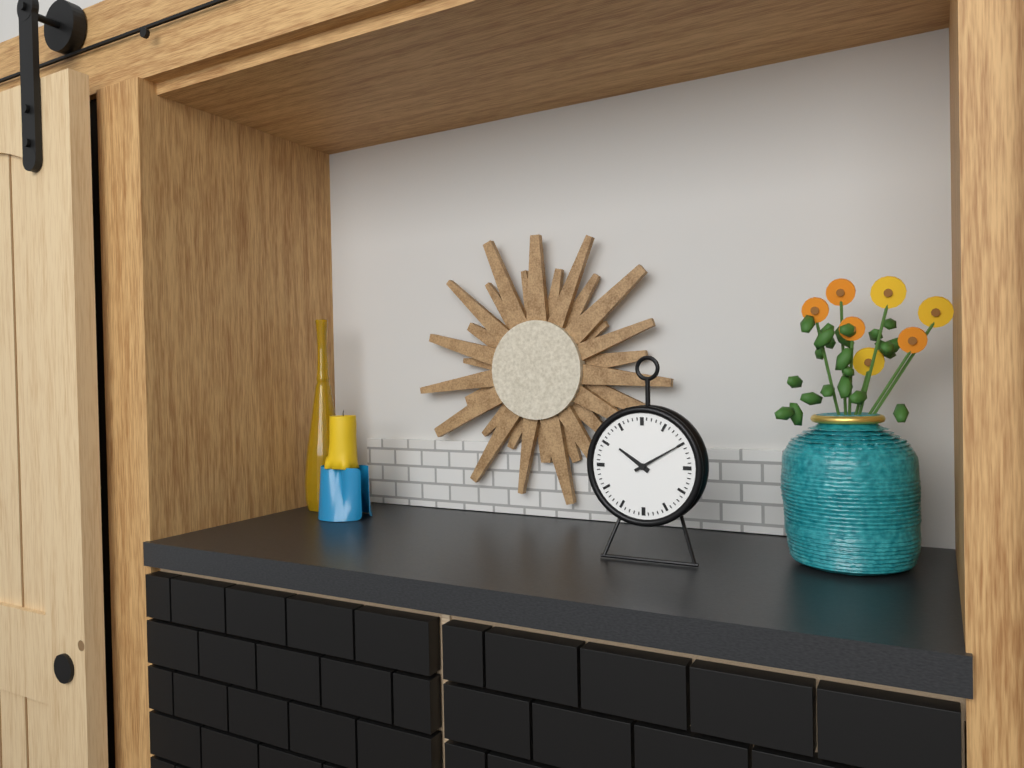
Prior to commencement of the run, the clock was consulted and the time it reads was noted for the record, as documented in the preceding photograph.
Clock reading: 10:10
